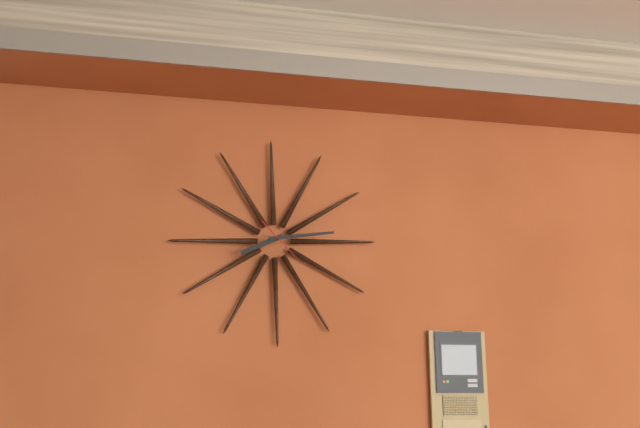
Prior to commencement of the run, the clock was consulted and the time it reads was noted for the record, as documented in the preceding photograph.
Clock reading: 8:14
